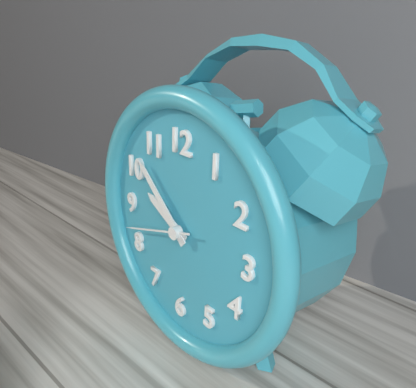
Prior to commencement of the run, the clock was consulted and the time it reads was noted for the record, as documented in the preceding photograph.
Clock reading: 9:52:42
